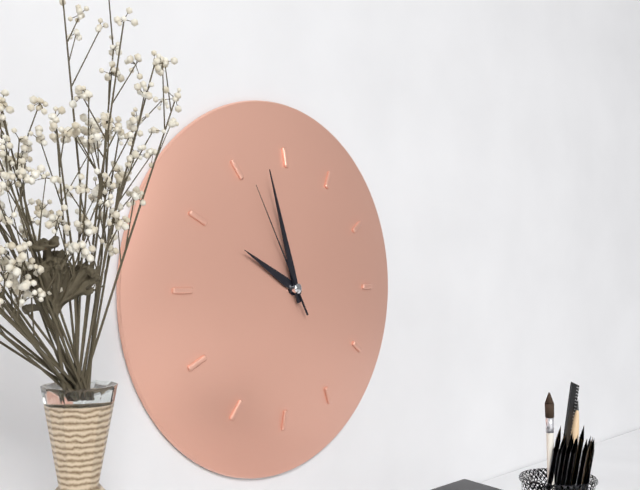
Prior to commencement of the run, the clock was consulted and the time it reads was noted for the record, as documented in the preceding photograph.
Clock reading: 9:57:55
